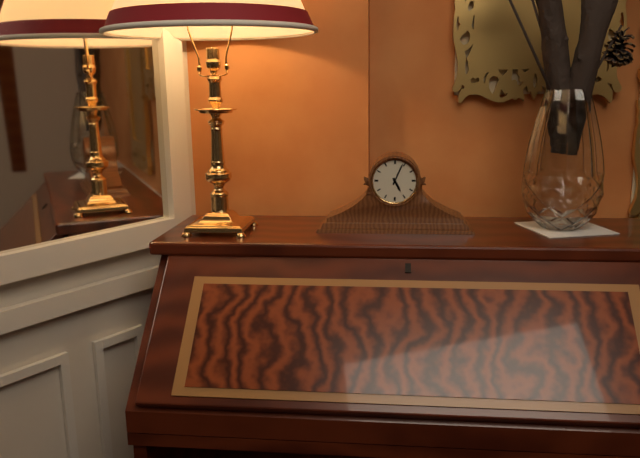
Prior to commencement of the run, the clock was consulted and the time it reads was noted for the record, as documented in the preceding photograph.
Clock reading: 5:04
